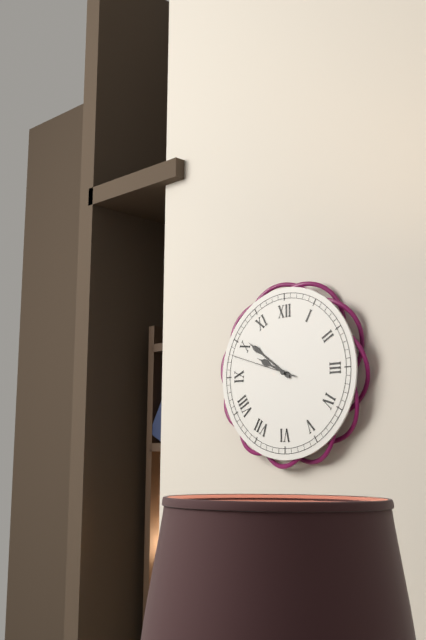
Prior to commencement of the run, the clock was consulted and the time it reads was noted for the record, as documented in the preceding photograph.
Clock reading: 9:51:48
